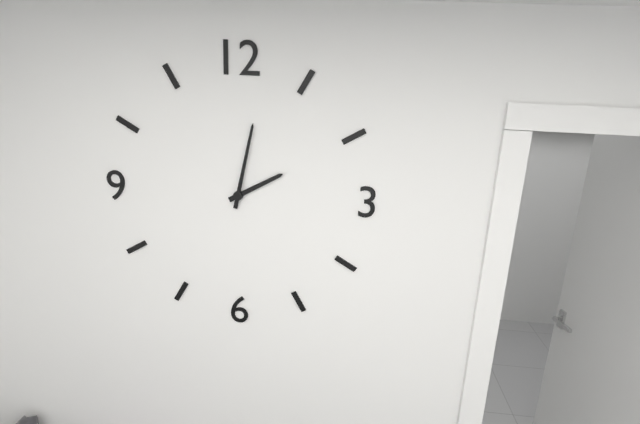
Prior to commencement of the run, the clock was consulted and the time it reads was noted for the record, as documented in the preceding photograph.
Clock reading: 2:02
